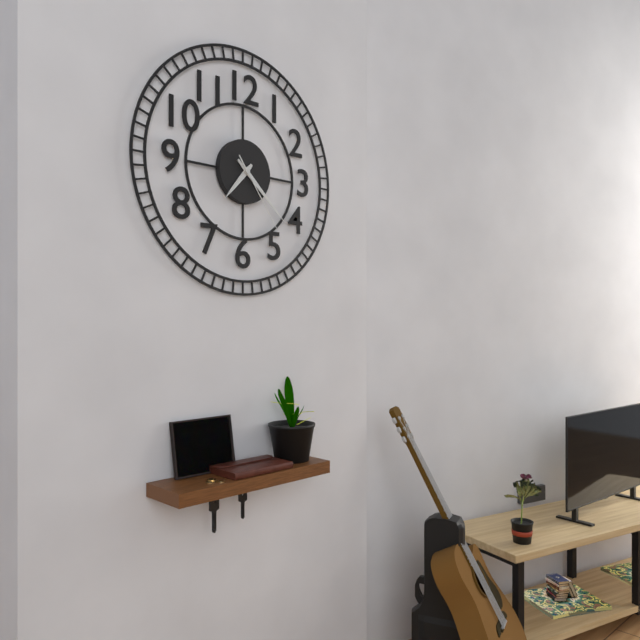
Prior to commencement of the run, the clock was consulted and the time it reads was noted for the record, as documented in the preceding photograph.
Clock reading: 7:22:24
